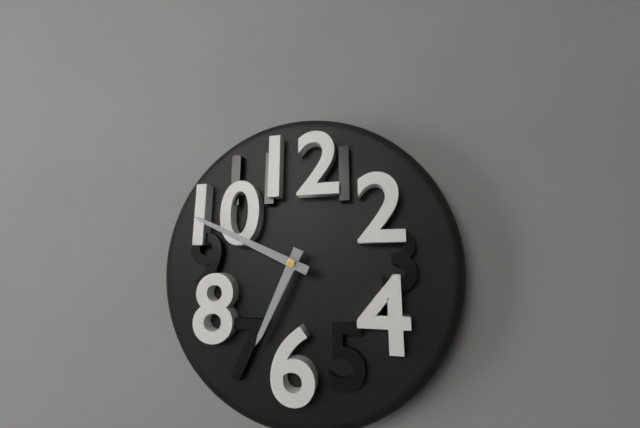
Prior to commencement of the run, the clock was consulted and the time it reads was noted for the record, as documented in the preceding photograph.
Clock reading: 6:49
